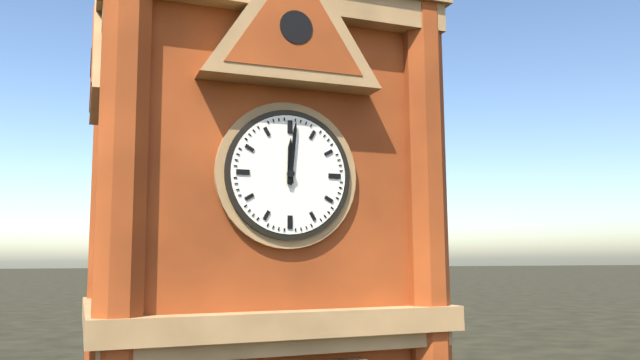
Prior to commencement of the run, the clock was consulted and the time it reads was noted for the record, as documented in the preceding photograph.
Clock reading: 12:01
